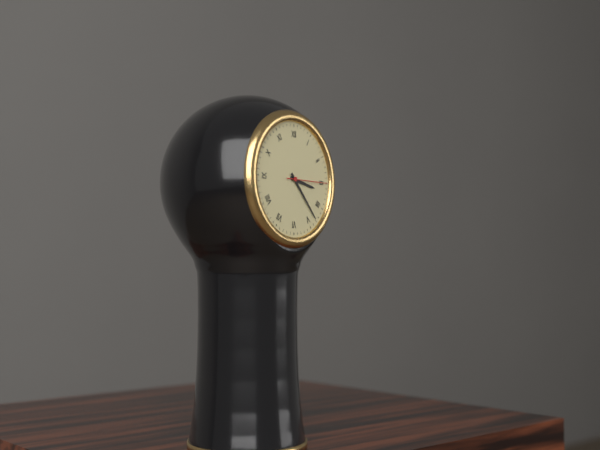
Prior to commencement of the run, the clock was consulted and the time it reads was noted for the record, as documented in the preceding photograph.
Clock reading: 3:23
